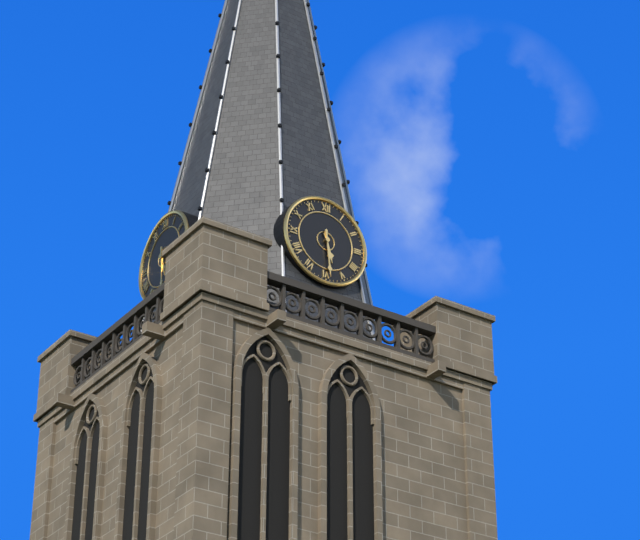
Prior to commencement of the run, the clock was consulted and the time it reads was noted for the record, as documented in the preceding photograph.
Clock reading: 5:29
